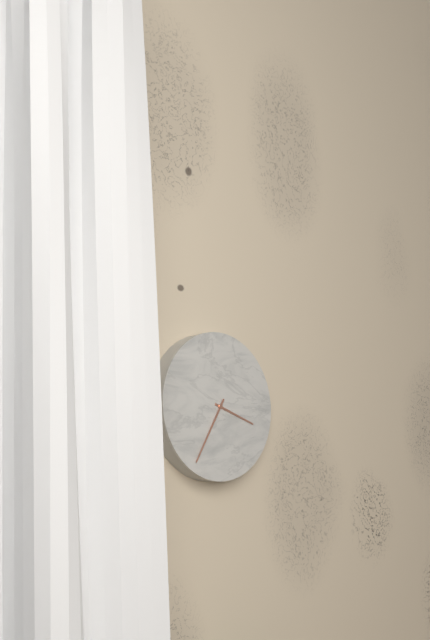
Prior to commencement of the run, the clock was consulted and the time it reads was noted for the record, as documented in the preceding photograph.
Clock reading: 3:35
